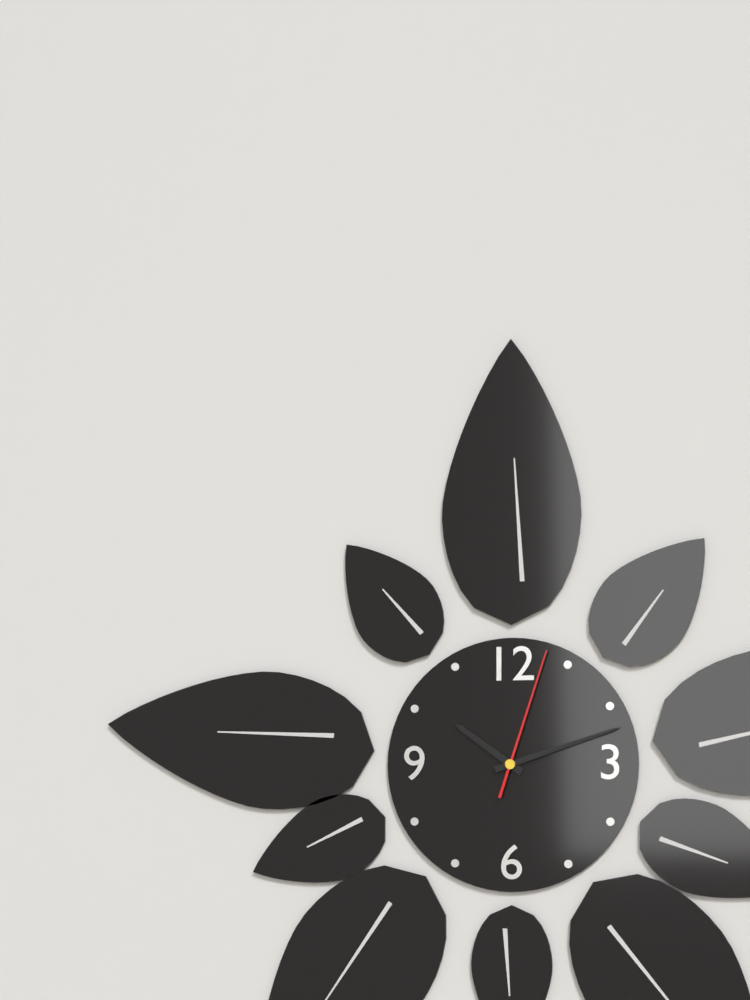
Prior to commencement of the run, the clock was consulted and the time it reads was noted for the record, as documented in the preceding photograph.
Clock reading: 10:12:03
